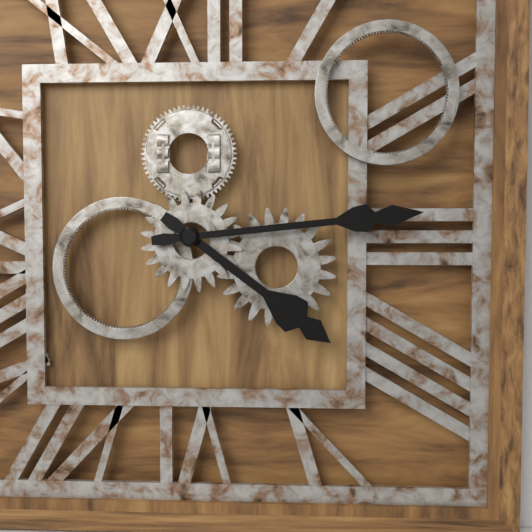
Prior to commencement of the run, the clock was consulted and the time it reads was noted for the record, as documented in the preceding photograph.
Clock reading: 4:14
